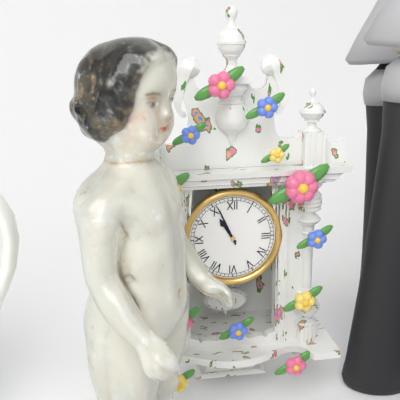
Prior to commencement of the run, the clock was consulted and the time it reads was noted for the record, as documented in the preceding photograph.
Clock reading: 10:56
